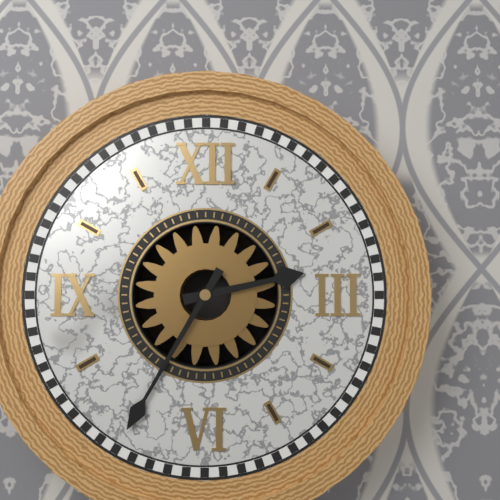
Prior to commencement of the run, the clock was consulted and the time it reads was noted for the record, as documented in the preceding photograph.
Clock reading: 2:35
